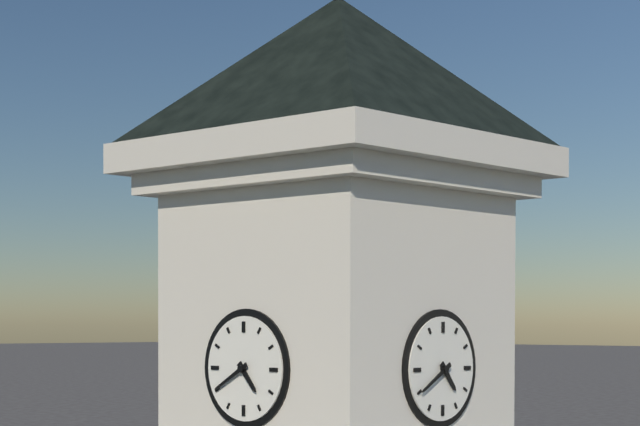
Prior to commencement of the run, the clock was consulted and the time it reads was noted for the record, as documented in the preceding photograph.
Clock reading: 4:40
